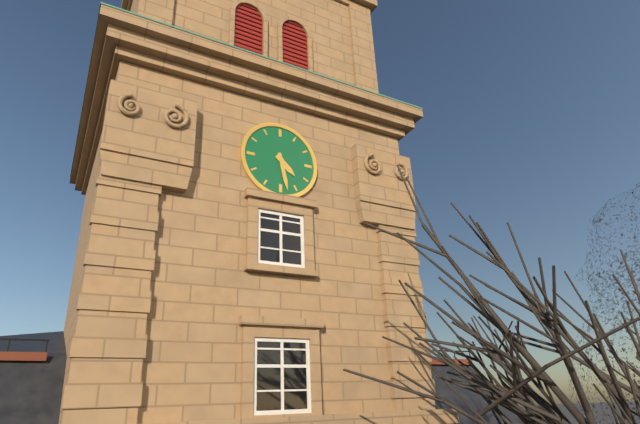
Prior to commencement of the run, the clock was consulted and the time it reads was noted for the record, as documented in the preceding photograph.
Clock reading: 4:28
